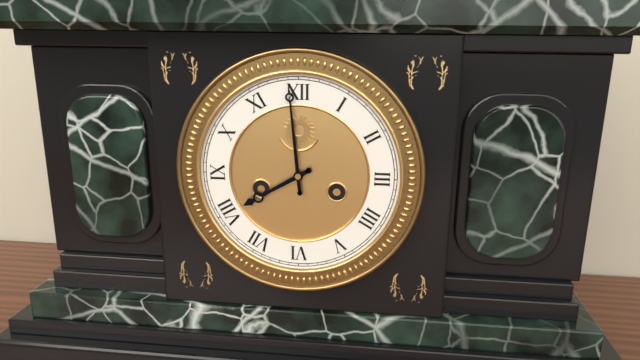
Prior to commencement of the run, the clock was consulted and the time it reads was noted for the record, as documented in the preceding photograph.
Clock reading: 7:59
